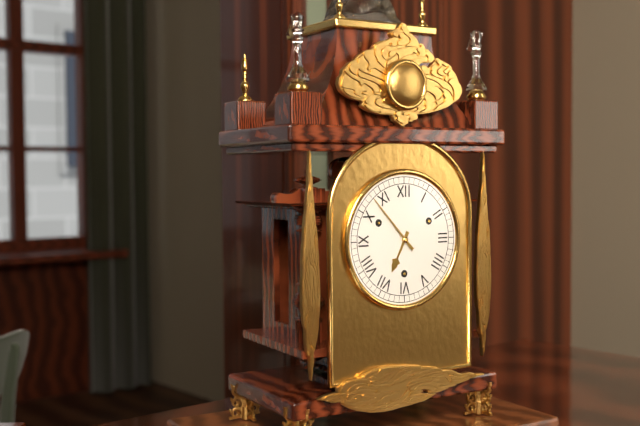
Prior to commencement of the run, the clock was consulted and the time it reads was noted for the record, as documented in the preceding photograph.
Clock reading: 6:53
